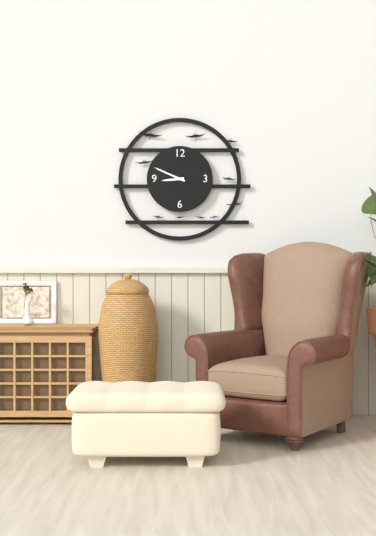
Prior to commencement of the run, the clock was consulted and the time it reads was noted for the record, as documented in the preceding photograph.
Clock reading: 8:49
